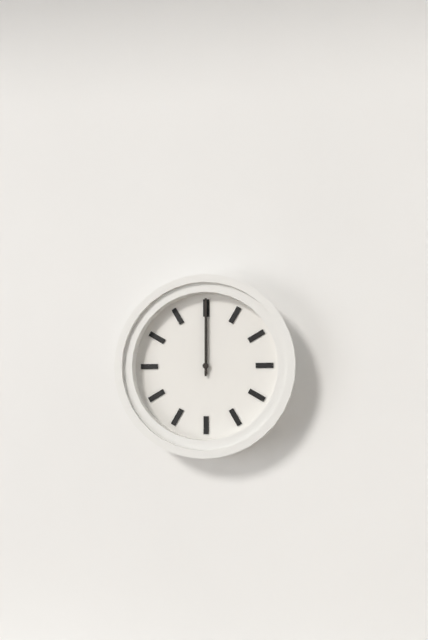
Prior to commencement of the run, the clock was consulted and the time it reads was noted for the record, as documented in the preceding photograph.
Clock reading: 12:00
